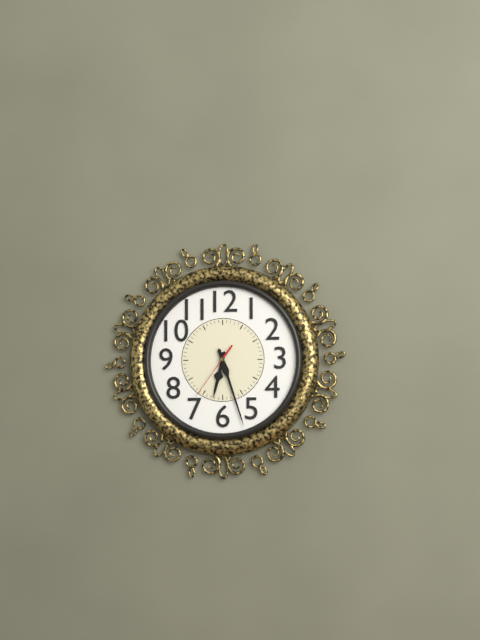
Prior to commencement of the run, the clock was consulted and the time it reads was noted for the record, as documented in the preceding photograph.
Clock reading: 6:27:36
